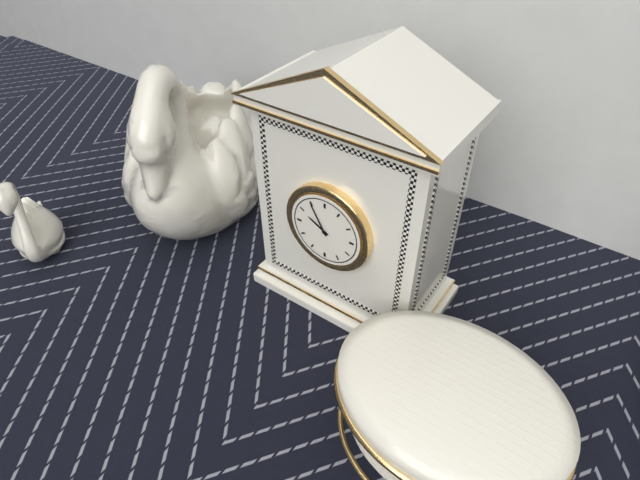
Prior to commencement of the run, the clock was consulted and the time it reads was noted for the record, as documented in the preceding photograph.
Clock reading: 9:55
